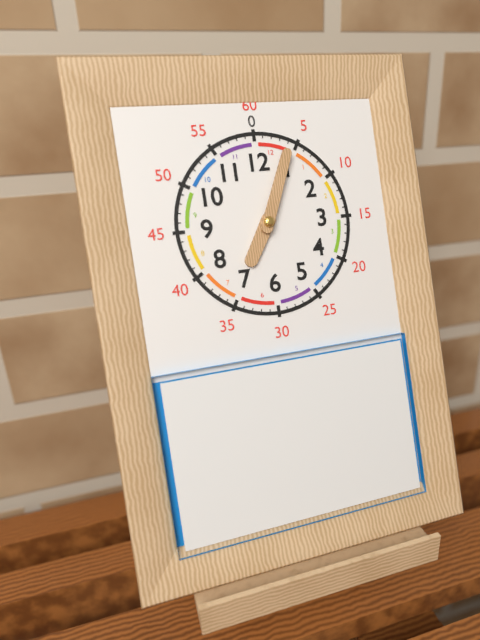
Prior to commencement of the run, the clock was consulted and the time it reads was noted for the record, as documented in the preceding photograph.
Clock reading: 7:04
